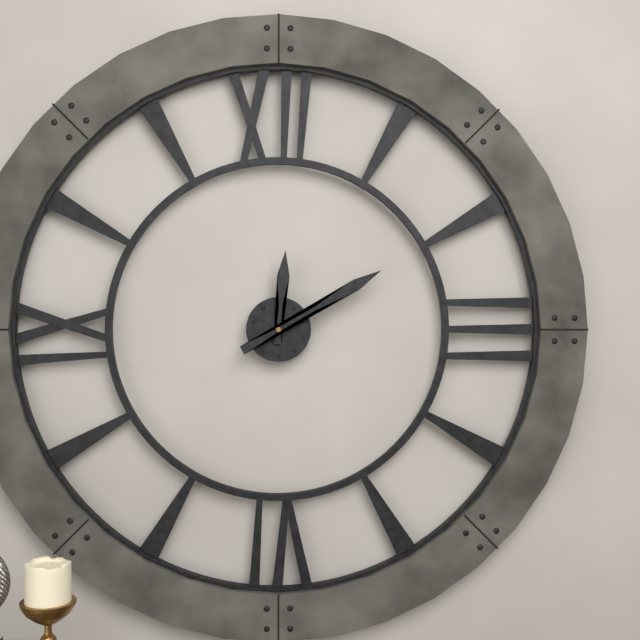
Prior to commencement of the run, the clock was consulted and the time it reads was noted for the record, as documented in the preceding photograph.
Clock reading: 12:10
